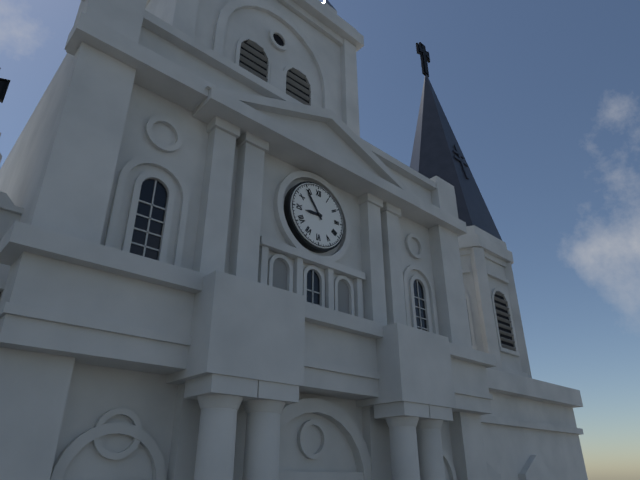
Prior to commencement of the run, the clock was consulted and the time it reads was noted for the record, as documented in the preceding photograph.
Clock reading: 8:54
